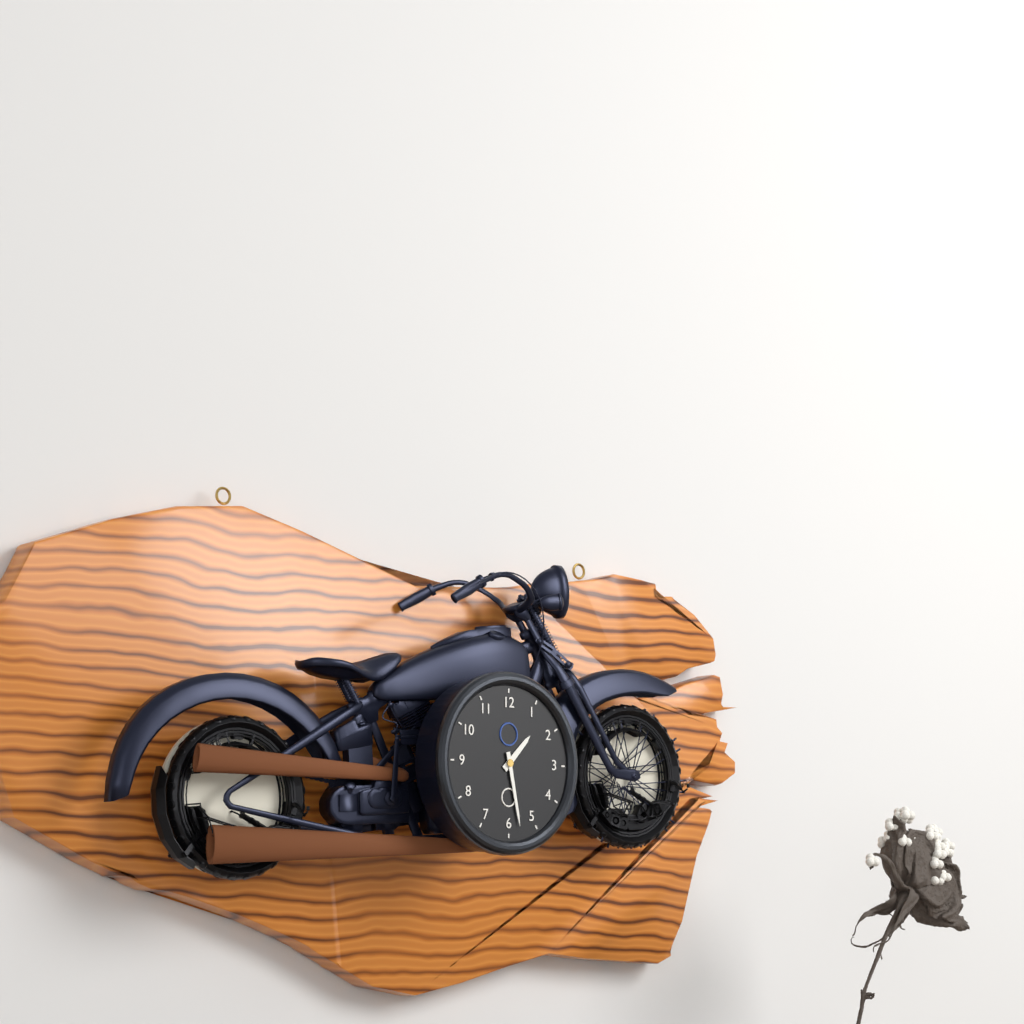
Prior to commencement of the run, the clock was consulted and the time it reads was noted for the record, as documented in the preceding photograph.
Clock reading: 1:28
